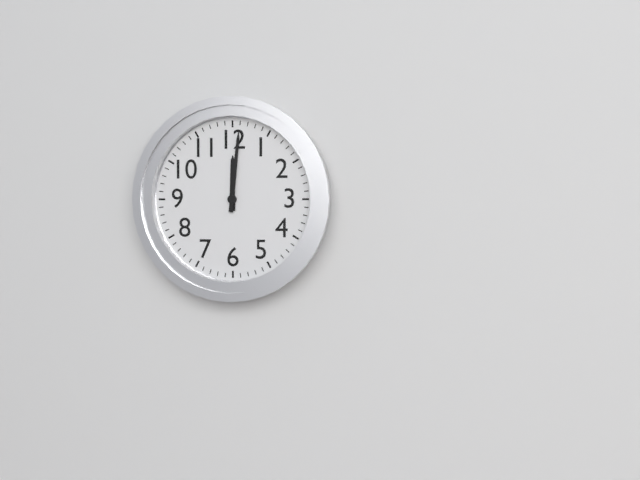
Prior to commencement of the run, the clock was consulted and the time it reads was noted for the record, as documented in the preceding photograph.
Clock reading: 12:01
